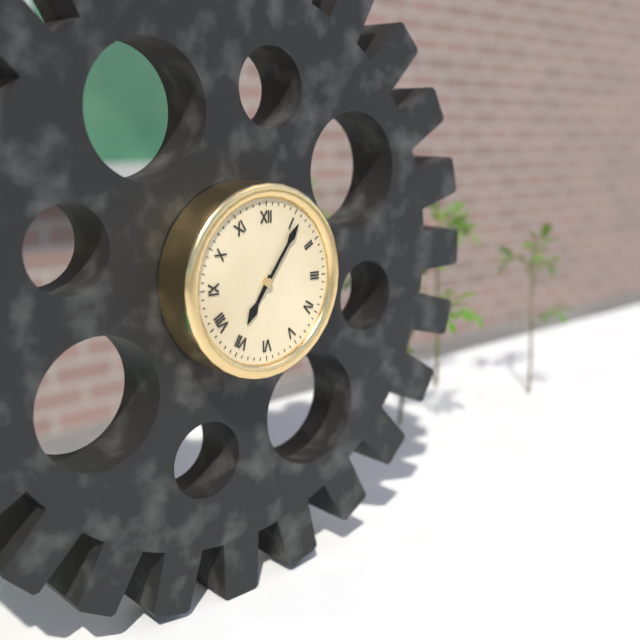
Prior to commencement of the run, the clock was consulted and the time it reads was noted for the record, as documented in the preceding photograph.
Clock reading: 7:06
